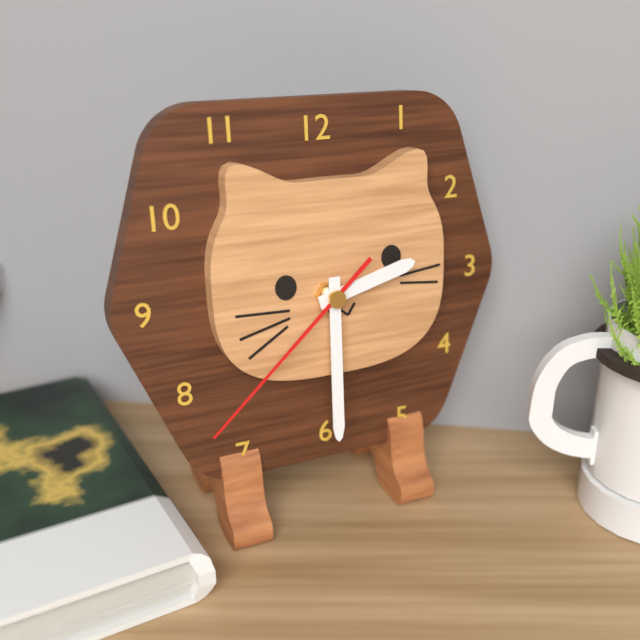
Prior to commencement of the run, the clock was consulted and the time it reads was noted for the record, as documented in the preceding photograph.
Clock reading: 2:30:38
